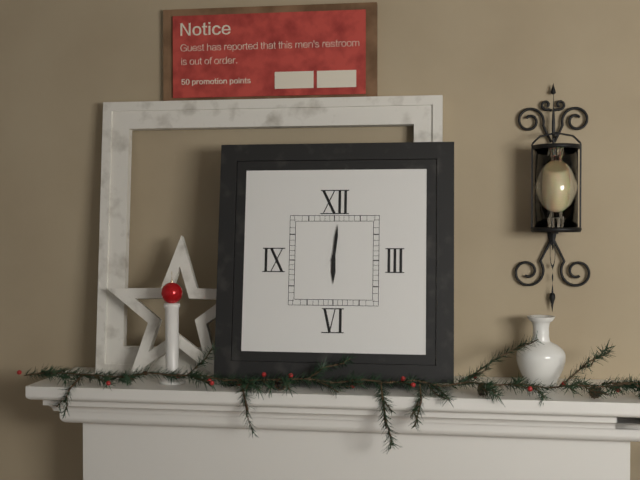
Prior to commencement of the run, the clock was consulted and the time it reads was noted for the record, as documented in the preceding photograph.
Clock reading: 6:01
